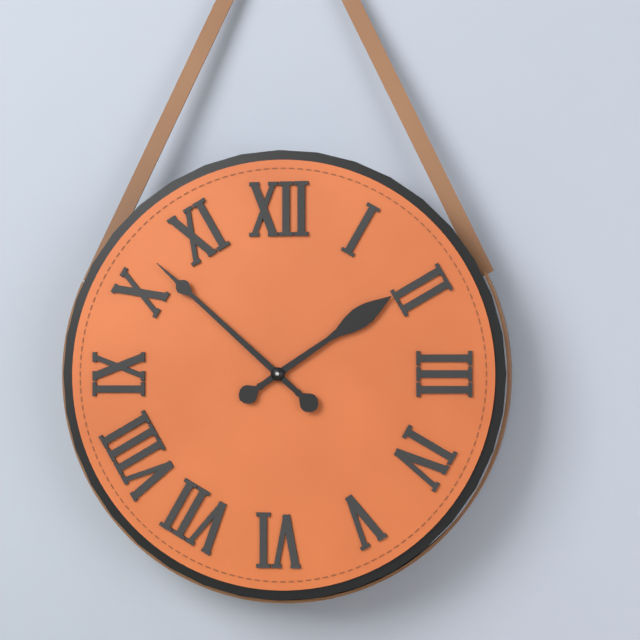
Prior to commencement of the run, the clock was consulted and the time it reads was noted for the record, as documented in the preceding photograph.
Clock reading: 1:52
